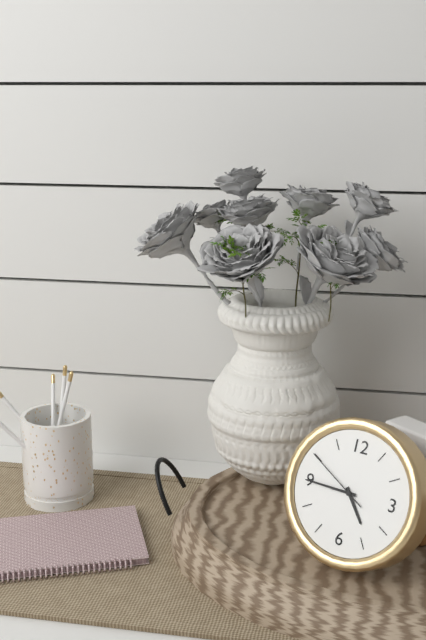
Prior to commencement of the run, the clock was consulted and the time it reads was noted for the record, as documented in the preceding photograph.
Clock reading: 4:45:50
